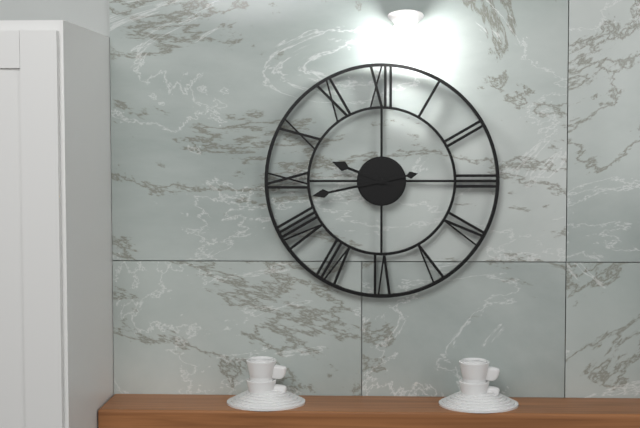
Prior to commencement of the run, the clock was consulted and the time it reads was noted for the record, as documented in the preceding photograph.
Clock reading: 9:43
